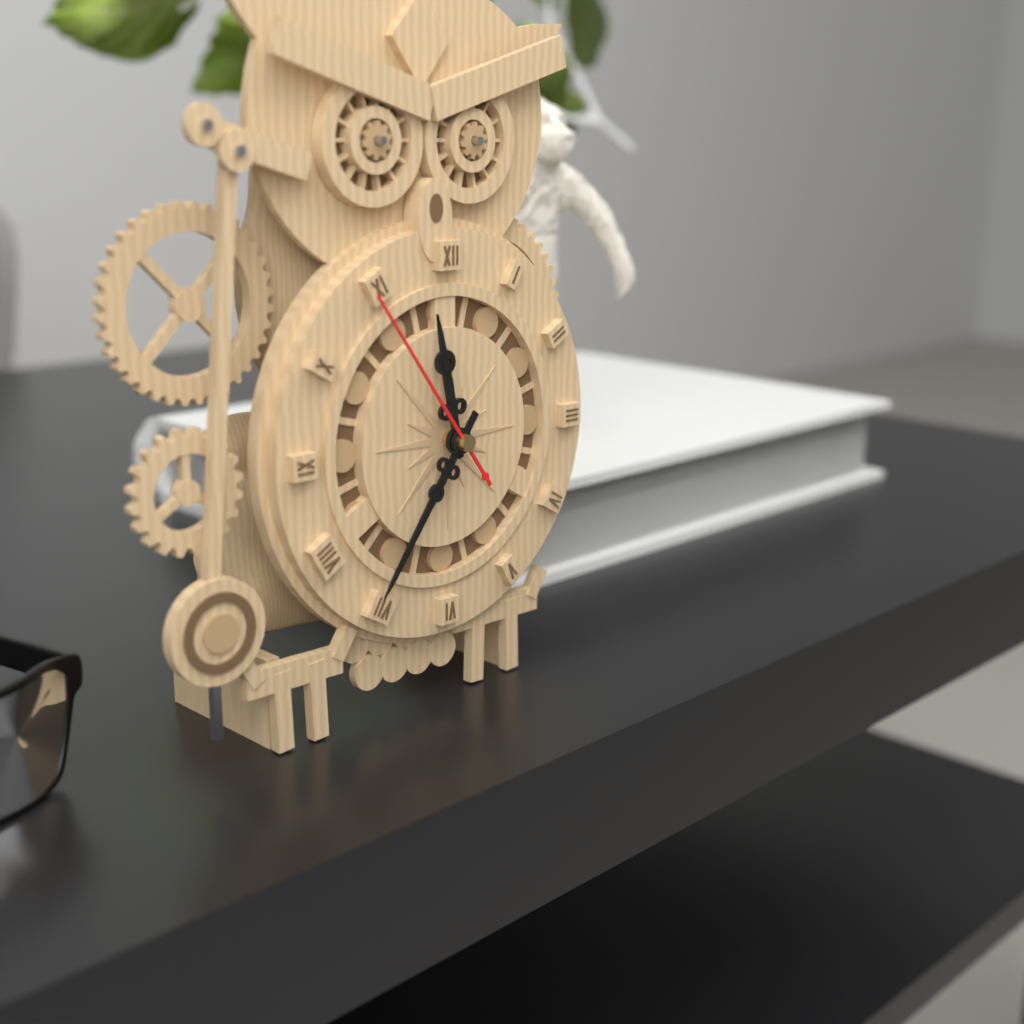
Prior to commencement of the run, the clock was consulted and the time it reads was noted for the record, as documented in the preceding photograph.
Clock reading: 11:36:54
